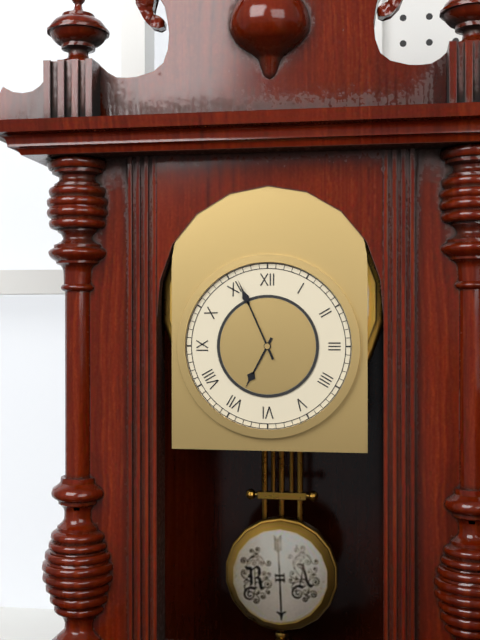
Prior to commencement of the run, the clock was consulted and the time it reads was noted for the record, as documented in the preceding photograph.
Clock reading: 6:56
